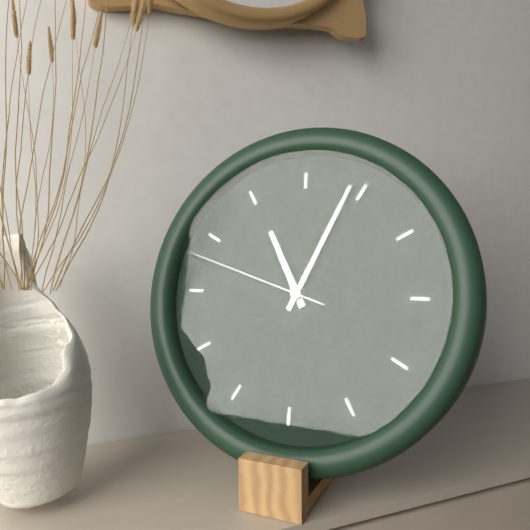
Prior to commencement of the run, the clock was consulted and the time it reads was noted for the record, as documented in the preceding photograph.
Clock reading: 11:04:48
